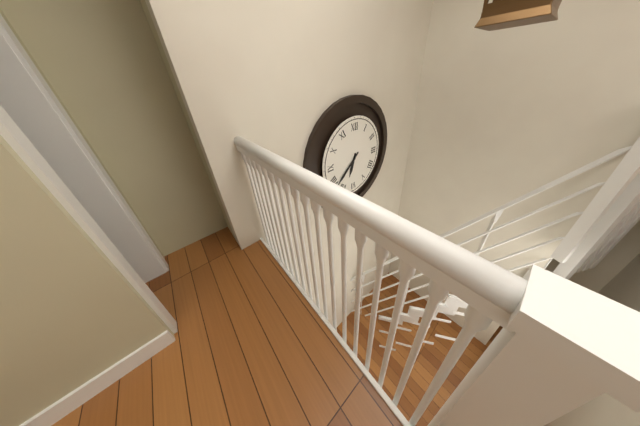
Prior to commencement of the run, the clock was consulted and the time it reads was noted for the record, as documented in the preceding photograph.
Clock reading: 6:38
